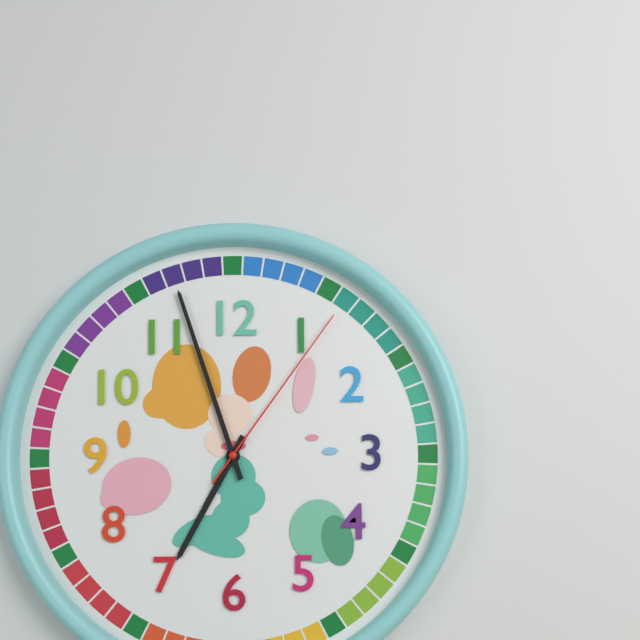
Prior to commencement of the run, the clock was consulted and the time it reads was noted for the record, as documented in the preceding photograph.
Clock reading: 6:57:06
